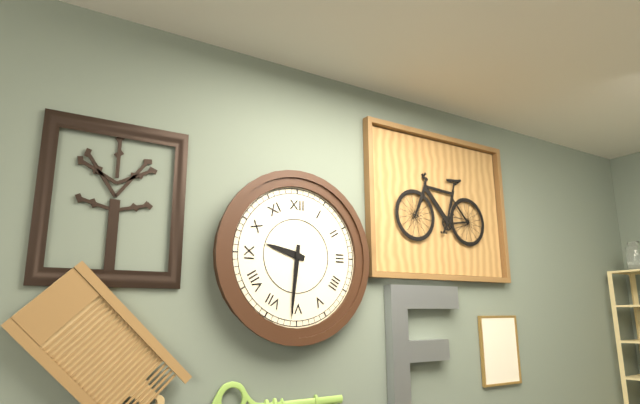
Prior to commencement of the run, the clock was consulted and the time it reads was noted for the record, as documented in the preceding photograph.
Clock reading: 9:31
